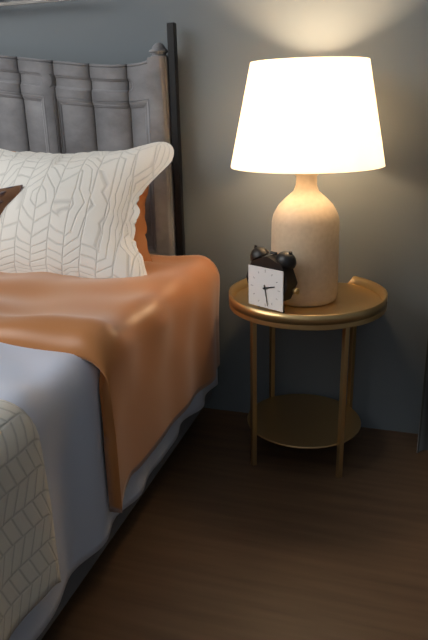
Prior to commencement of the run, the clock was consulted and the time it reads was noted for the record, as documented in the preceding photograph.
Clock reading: 2:28
